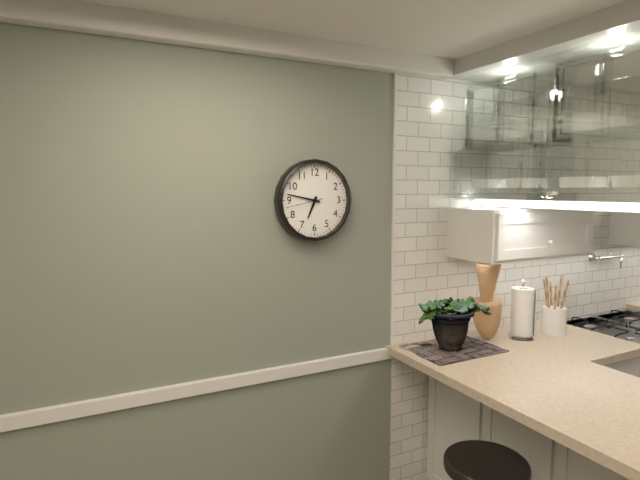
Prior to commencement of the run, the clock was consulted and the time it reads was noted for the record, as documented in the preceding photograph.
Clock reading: 6:47
